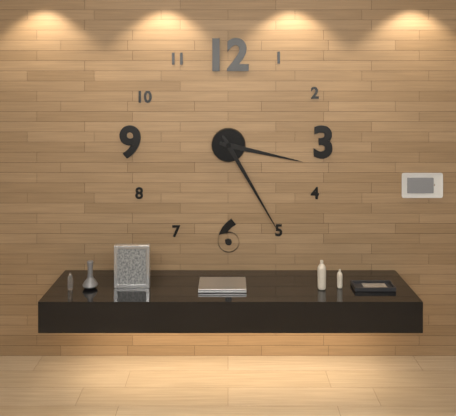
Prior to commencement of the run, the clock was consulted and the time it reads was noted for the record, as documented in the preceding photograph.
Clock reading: 3:25
